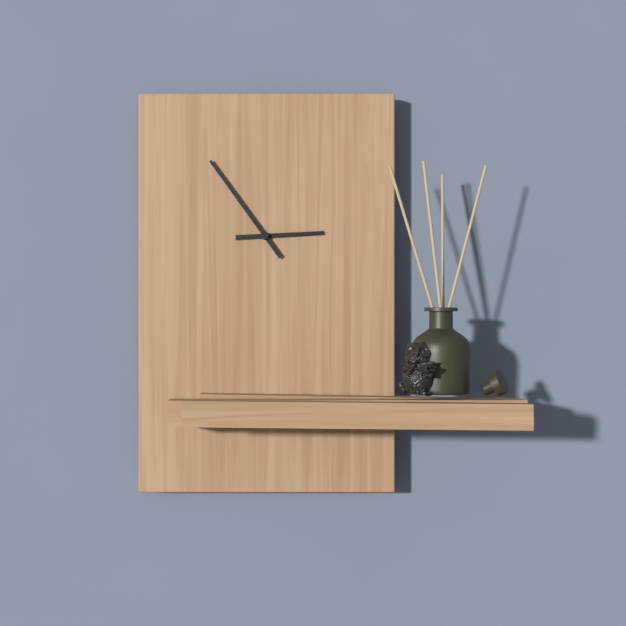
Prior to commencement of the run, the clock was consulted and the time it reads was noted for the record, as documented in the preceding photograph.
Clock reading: 2:54
